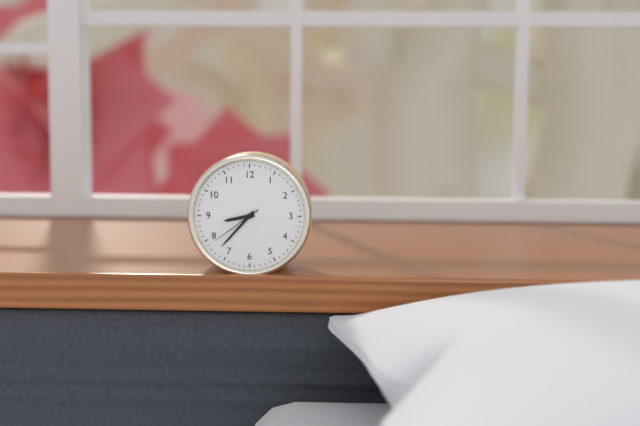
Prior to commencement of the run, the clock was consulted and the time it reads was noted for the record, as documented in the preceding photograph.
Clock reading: 8:37:39
